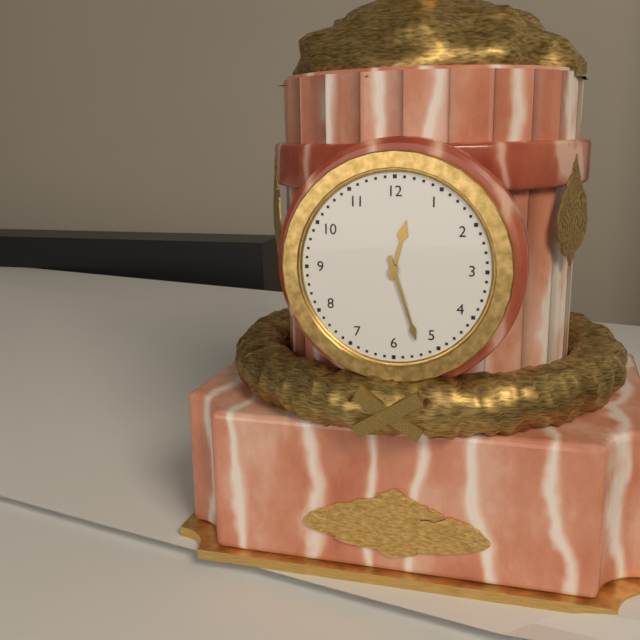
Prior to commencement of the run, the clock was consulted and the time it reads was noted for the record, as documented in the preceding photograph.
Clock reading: 12:27
